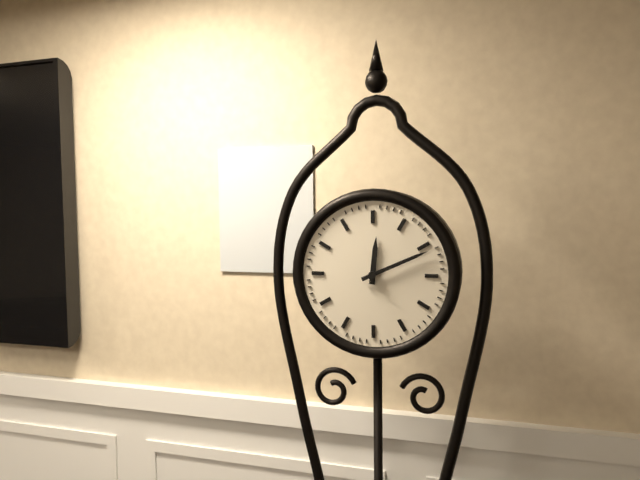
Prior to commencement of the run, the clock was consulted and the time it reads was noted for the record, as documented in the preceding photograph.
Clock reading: 12:11
